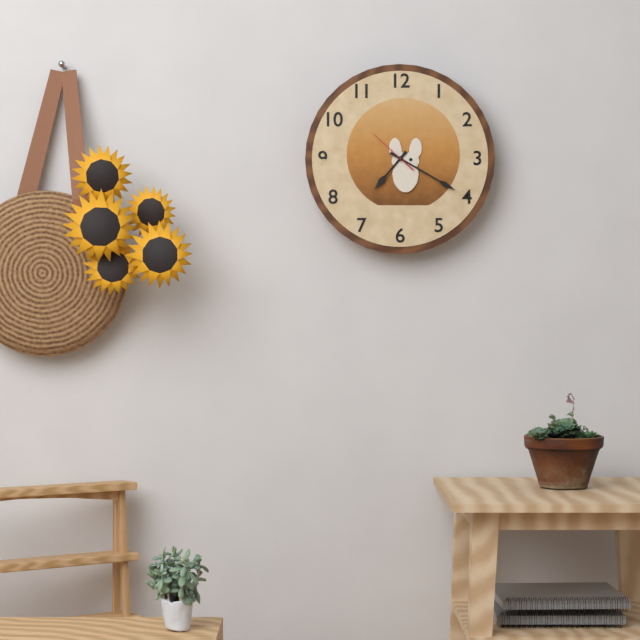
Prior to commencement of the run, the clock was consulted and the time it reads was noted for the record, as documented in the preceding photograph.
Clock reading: 7:20
